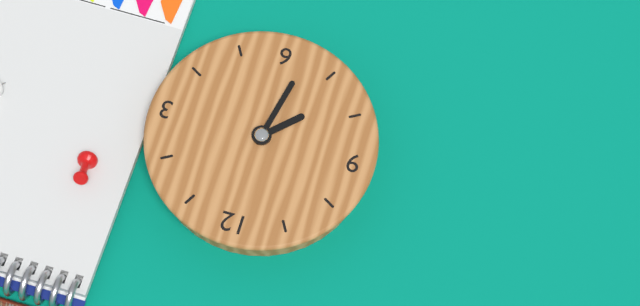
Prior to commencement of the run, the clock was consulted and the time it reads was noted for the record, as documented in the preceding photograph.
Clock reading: 7:32
